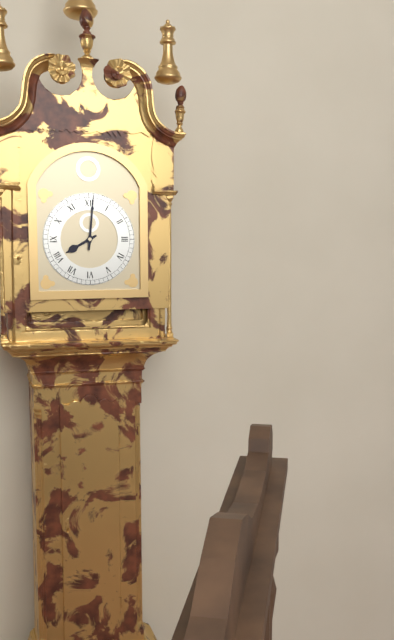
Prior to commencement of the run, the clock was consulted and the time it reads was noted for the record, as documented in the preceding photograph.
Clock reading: 8:01
